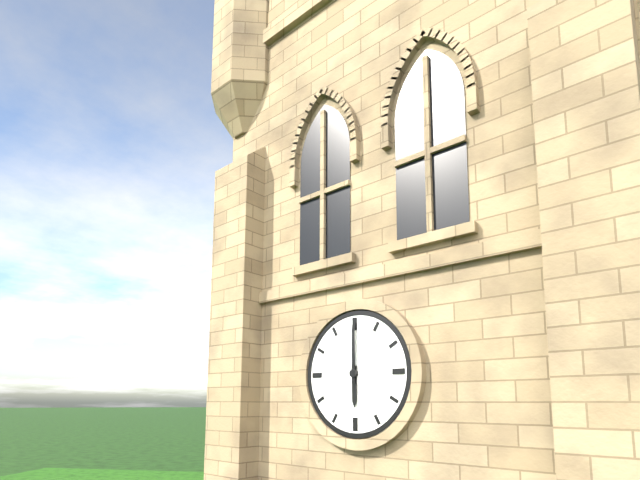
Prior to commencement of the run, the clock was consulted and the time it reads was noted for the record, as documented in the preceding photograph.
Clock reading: 6:00
